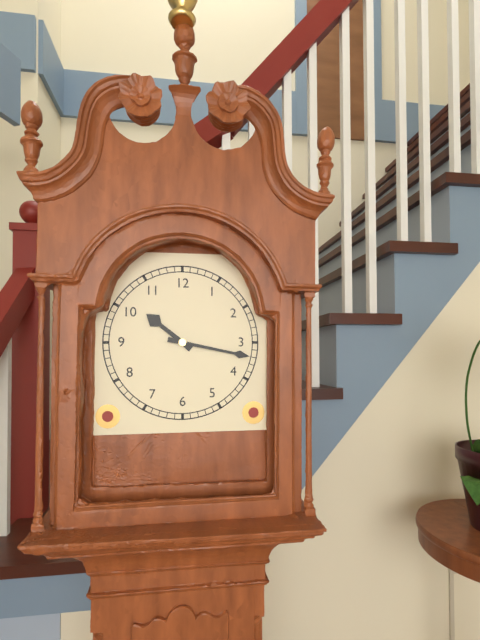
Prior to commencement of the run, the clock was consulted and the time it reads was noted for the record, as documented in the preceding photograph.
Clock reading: 10:17
